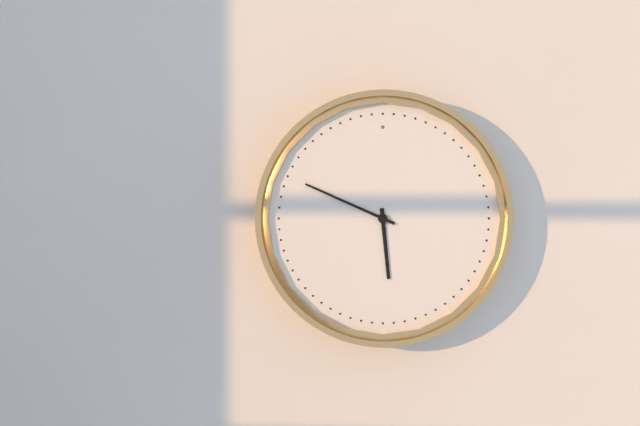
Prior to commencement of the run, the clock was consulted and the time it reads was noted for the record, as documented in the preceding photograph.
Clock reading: 5:49
